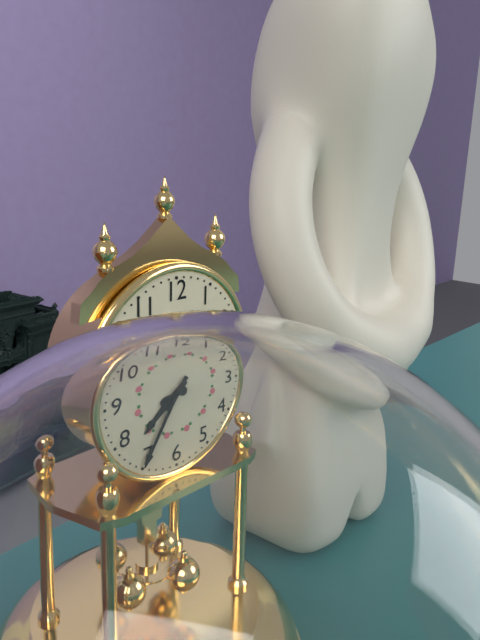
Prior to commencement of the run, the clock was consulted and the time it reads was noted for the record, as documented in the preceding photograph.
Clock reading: 7:35
